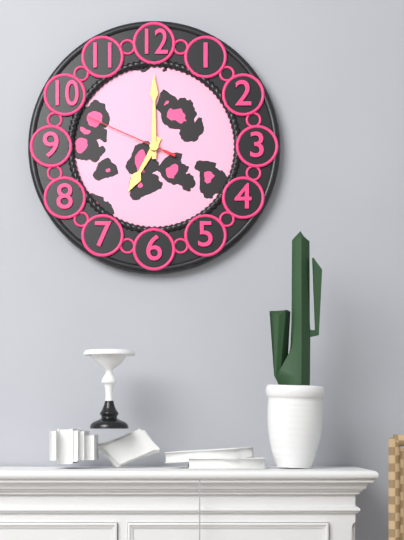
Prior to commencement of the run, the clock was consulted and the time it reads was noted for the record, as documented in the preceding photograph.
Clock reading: 7:00:49
